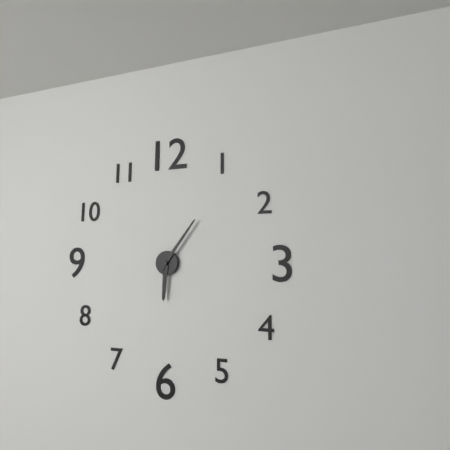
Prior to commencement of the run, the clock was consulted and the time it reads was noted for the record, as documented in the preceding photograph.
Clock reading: 6:06
